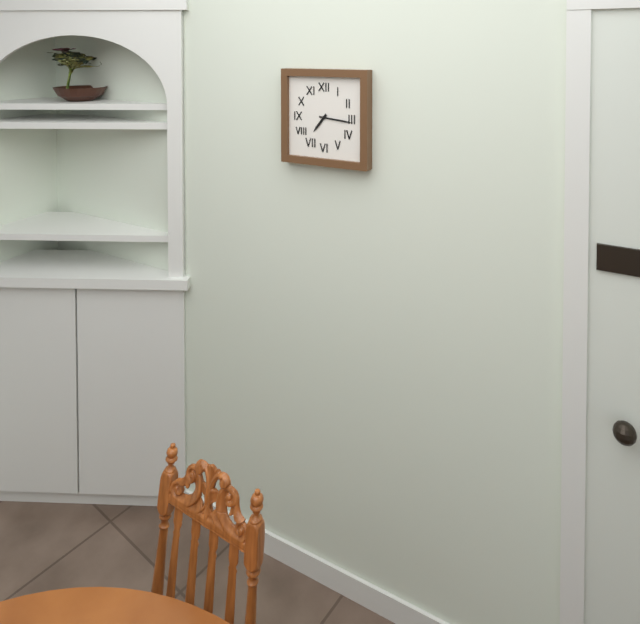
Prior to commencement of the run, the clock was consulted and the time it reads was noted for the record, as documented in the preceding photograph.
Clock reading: 7:16
